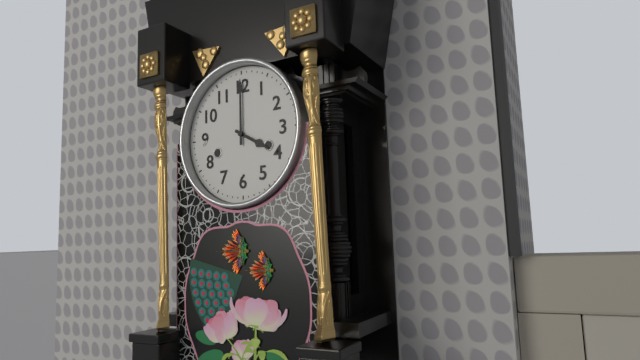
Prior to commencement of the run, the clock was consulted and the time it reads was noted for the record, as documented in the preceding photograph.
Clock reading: 4:00
